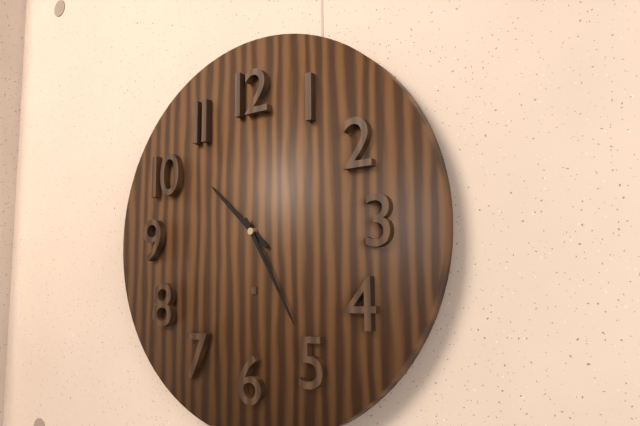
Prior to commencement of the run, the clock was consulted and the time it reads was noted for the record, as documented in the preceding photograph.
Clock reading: 10:25
